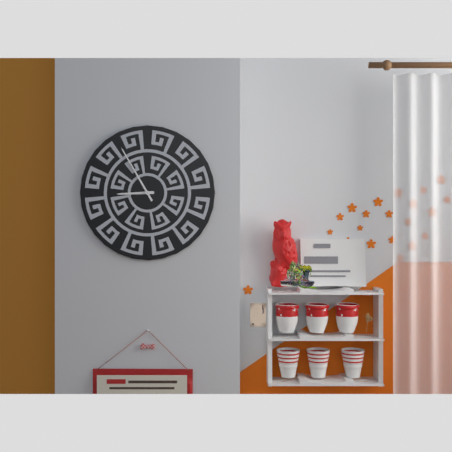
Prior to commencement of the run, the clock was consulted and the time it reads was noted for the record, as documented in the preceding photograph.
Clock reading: 8:55
